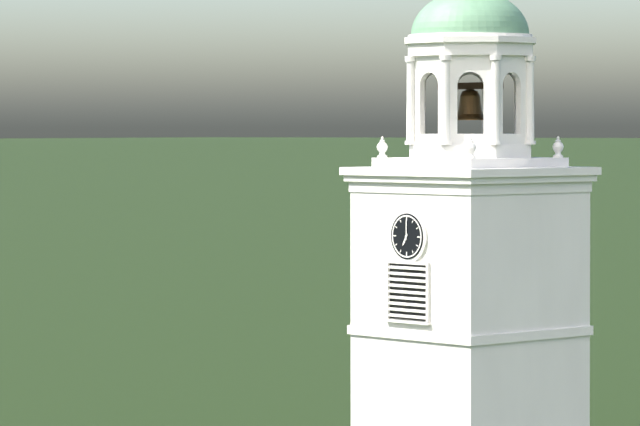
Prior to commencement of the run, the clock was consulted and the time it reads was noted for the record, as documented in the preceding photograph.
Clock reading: 7:00
